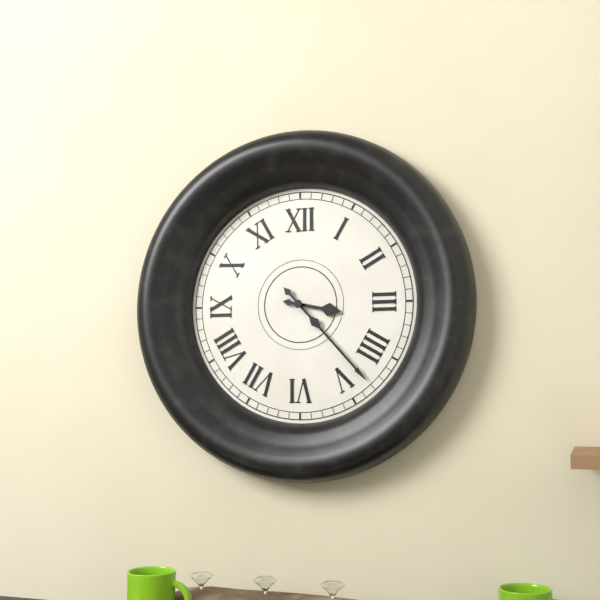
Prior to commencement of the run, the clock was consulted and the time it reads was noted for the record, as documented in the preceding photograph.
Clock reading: 3:23
